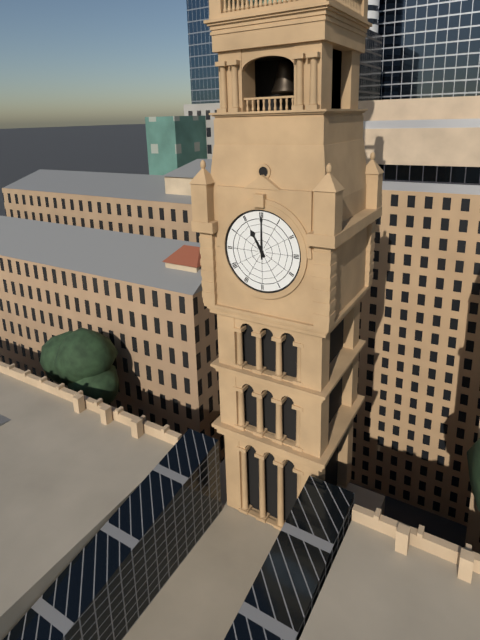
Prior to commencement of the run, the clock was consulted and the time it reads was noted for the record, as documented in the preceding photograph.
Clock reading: 11:00
